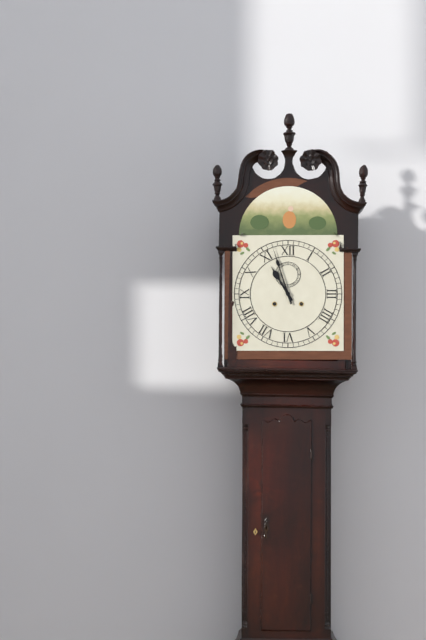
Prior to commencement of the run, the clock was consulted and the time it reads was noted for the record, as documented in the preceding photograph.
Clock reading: 10:57
